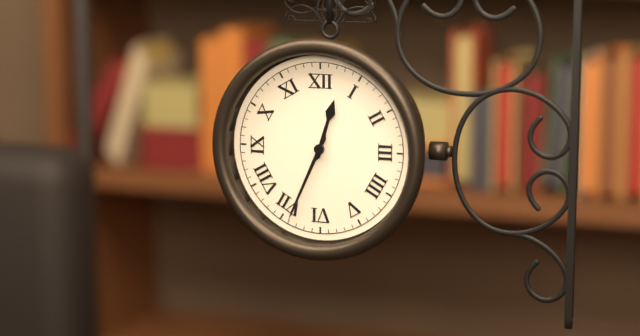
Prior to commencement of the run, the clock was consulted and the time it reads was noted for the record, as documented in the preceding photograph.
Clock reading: 12:34
